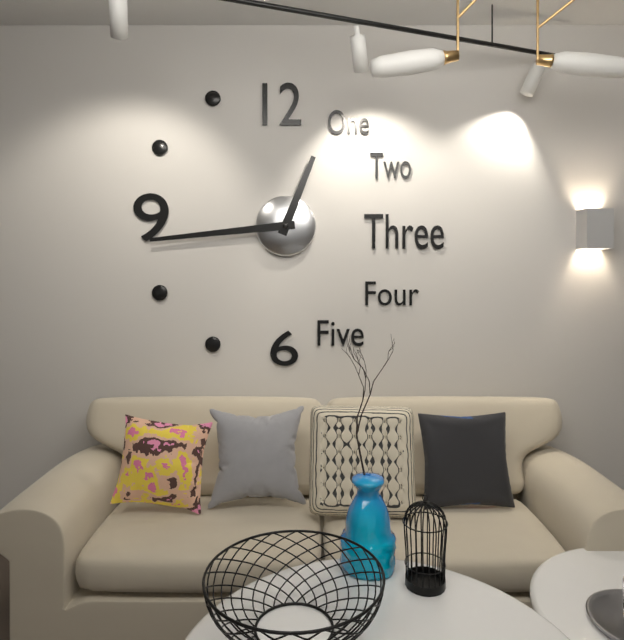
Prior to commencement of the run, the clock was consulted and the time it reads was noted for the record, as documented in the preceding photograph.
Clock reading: 12:44
